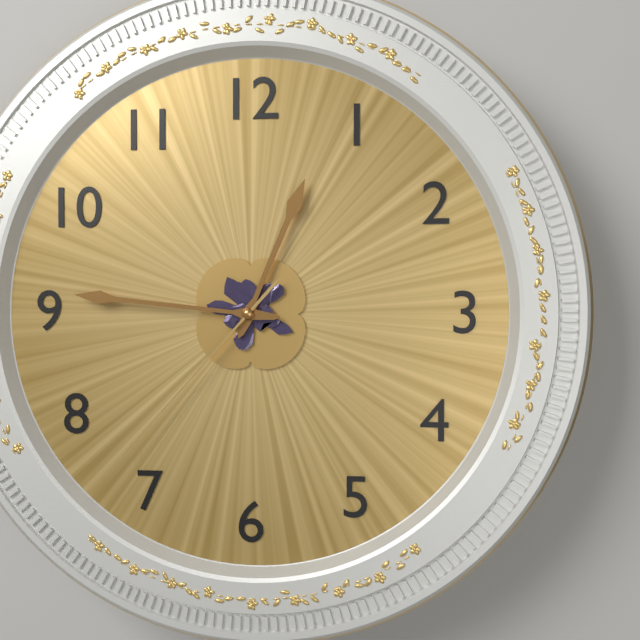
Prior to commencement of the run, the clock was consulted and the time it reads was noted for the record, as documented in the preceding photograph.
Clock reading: 12:46:37
